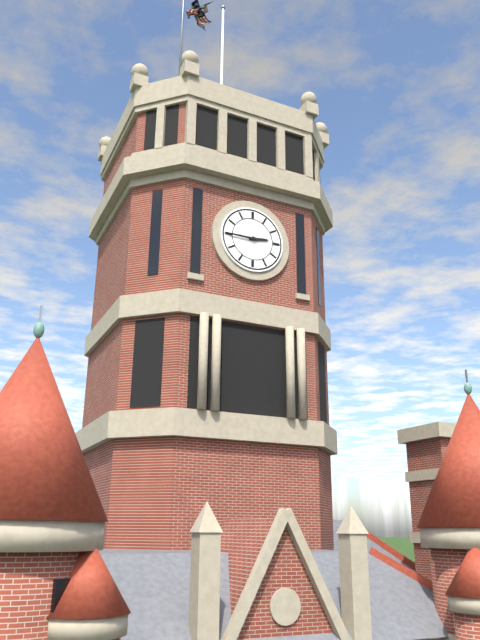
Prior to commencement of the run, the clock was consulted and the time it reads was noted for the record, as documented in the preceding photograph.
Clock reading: 2:45
